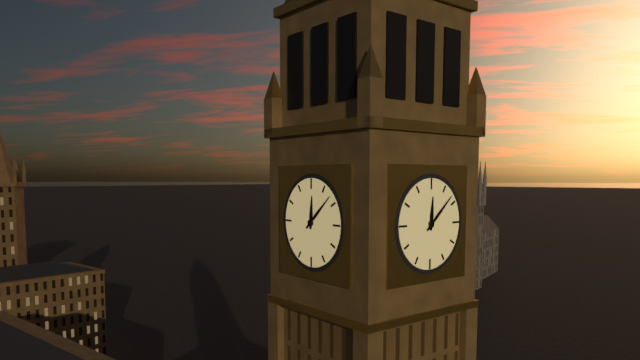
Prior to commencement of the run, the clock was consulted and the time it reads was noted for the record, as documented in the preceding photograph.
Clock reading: 12:08
